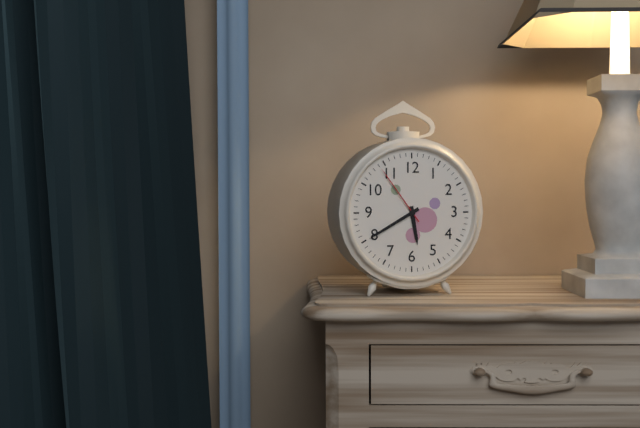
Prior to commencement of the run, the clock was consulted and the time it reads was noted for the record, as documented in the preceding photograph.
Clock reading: 5:40:54
